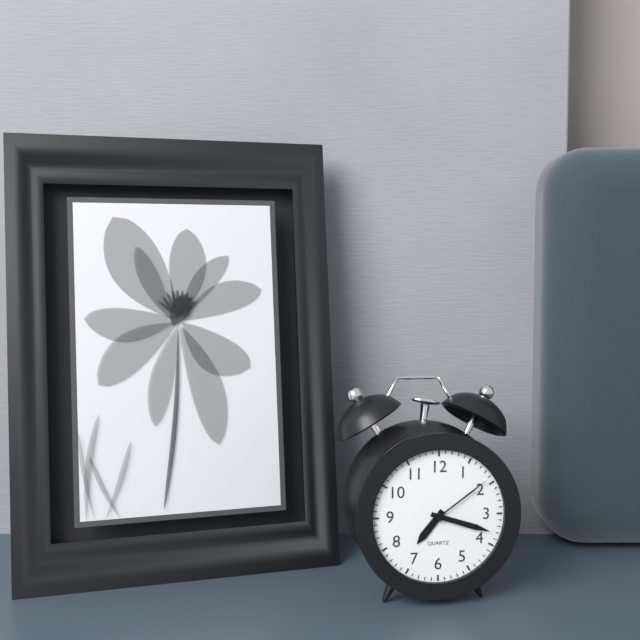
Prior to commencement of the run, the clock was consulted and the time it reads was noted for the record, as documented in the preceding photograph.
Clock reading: 7:18:09
